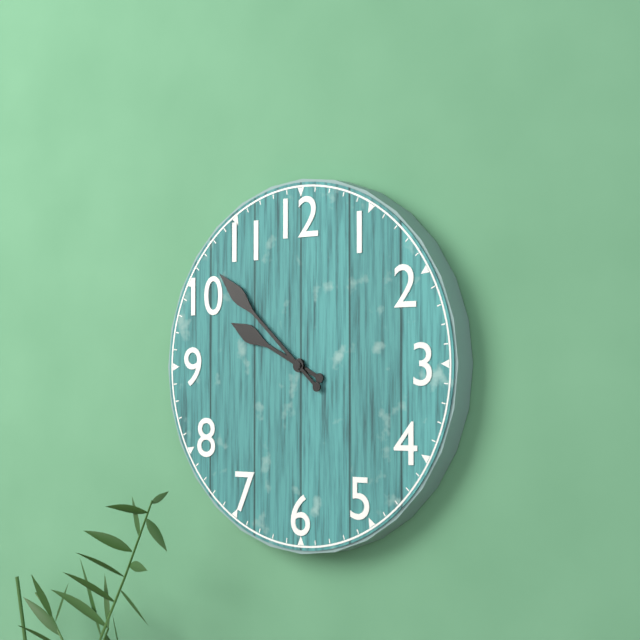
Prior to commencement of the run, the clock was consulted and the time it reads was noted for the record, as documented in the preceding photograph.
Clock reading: 9:52
